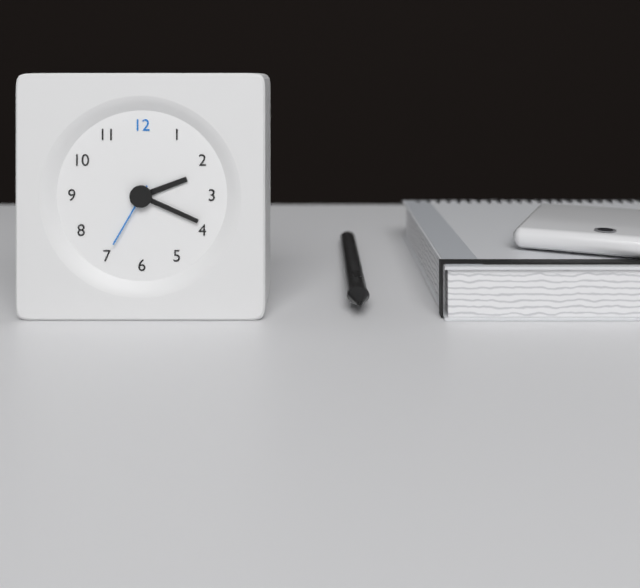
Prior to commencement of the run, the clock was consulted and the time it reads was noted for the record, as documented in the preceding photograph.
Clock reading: 2:19:35
